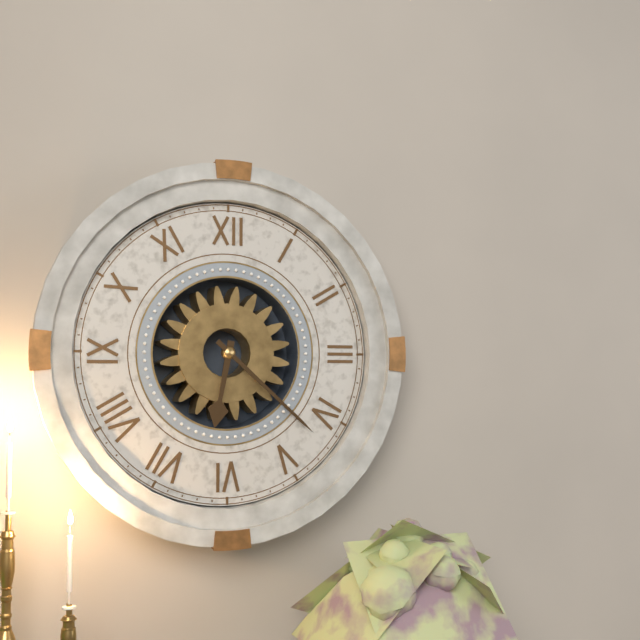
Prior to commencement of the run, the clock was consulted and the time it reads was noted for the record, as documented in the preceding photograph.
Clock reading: 6:22
